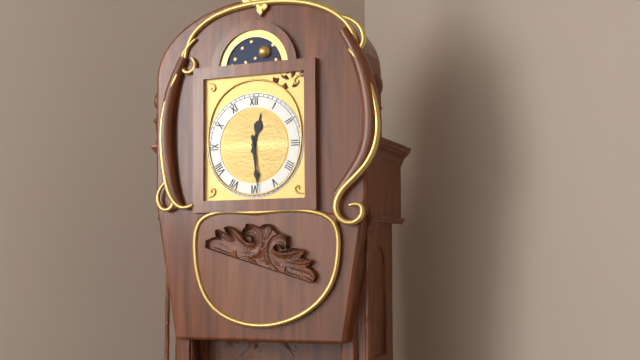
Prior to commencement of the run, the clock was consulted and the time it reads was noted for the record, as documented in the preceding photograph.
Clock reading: 12:29
